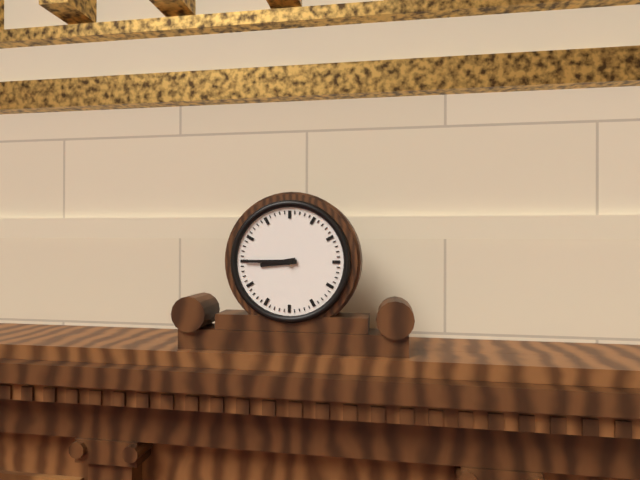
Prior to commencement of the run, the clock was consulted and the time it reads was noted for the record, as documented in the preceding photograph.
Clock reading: 8:45
